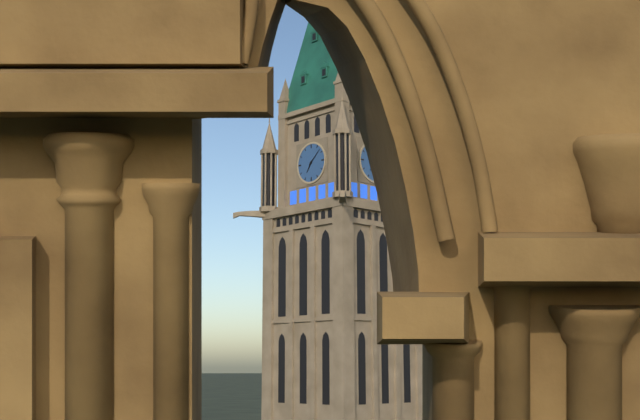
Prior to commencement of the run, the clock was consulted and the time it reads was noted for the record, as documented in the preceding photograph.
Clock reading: 7:08
